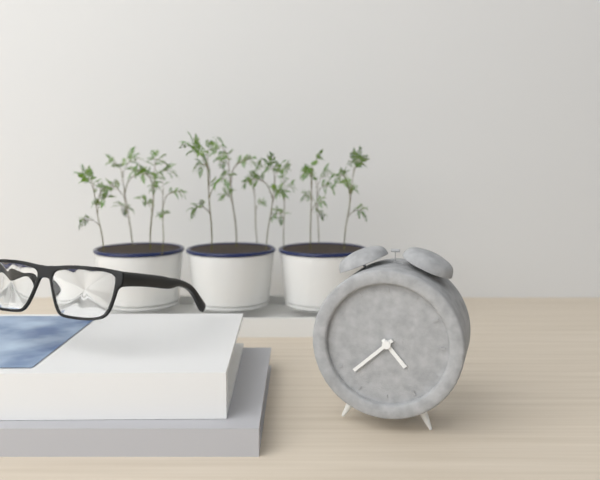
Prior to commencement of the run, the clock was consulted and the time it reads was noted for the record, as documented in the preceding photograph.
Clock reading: 4:38
